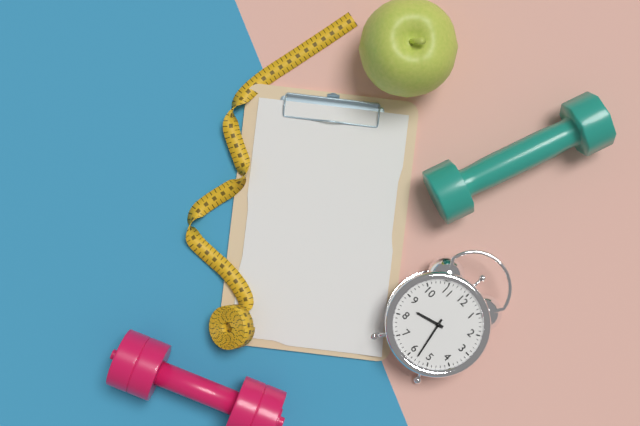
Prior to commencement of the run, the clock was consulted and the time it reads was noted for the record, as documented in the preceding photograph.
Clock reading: 8:28
